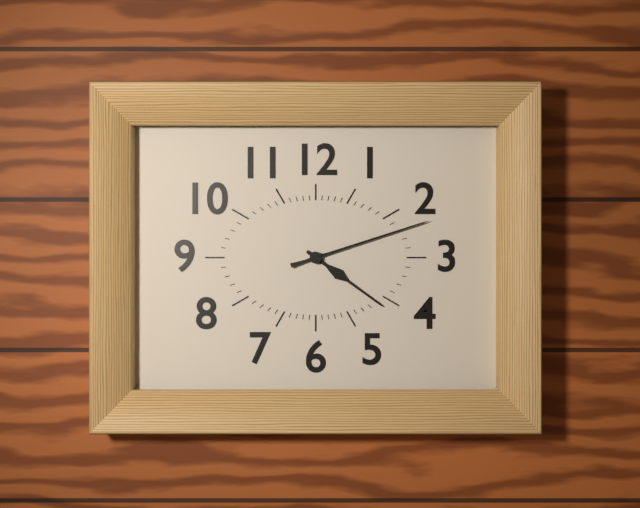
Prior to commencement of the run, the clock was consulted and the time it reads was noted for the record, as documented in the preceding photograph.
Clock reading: 4:12
